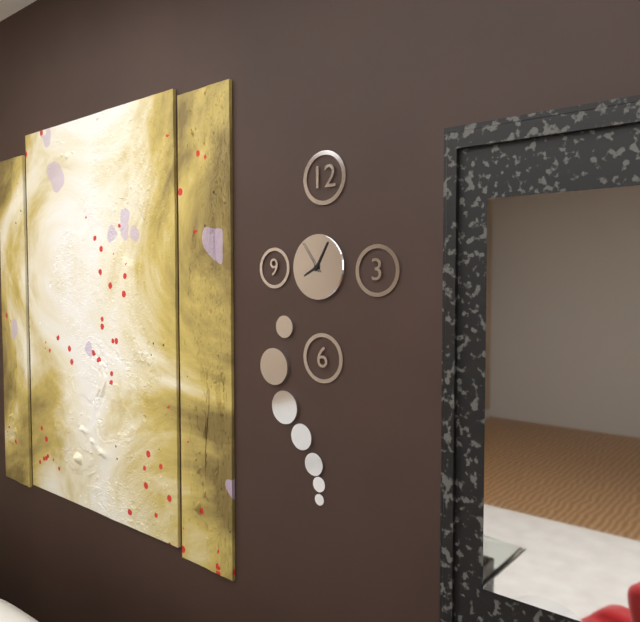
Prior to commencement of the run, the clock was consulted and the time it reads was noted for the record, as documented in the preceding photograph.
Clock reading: 8:05
